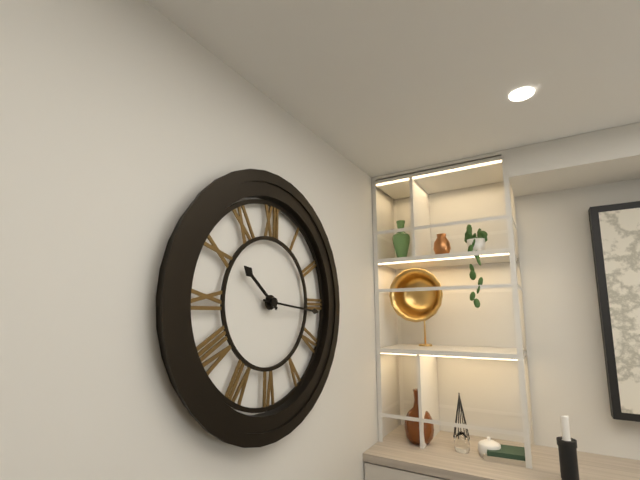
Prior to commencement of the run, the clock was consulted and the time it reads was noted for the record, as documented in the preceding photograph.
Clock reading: 10:16
